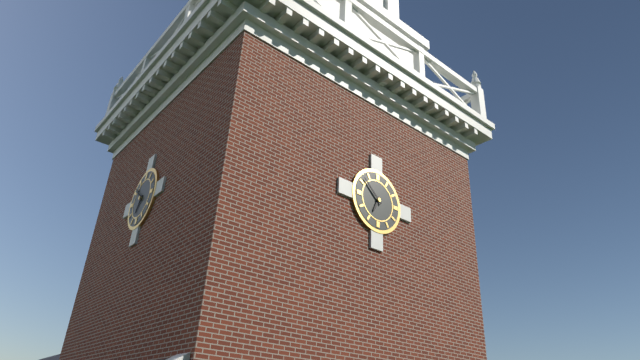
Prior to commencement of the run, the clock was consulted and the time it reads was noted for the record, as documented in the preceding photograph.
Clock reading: 6:52
